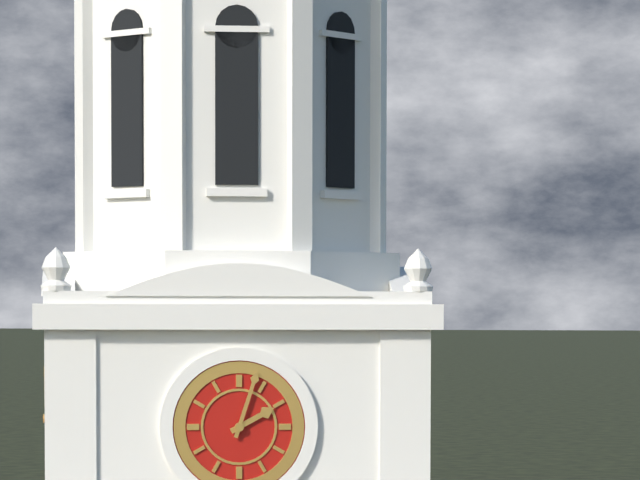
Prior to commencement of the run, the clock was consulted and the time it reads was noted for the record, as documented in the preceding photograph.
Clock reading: 2:03
